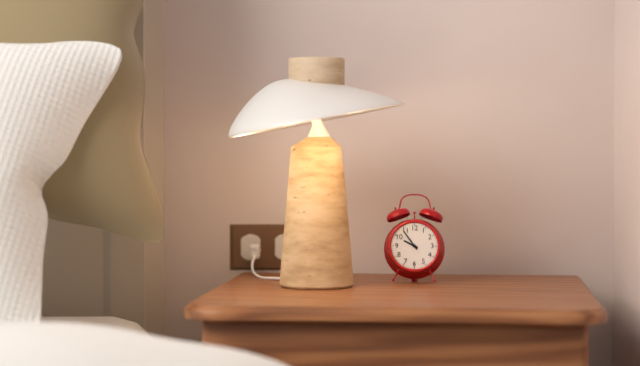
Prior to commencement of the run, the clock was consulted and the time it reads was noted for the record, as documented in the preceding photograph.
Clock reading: 9:54
